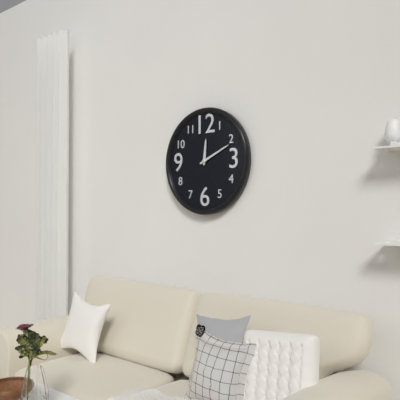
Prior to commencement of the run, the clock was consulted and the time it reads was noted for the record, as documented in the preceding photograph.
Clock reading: 12:11
